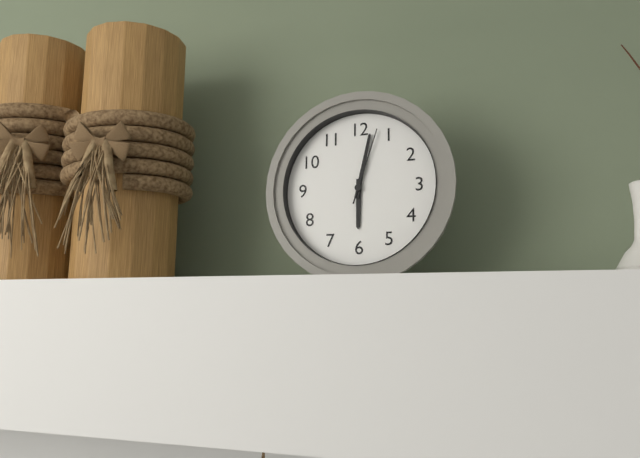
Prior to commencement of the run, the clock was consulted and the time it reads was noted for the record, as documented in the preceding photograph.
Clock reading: 6:02:03
